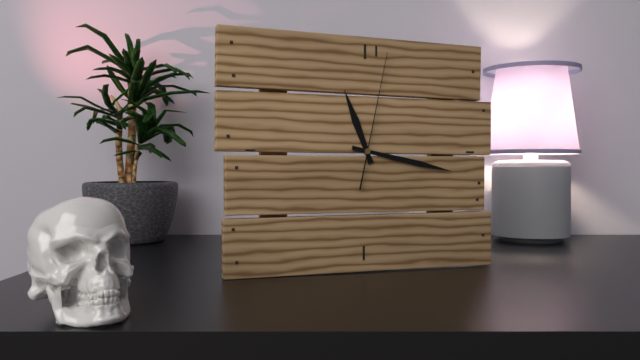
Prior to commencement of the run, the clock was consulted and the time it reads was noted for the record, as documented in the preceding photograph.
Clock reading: 11:17:02
